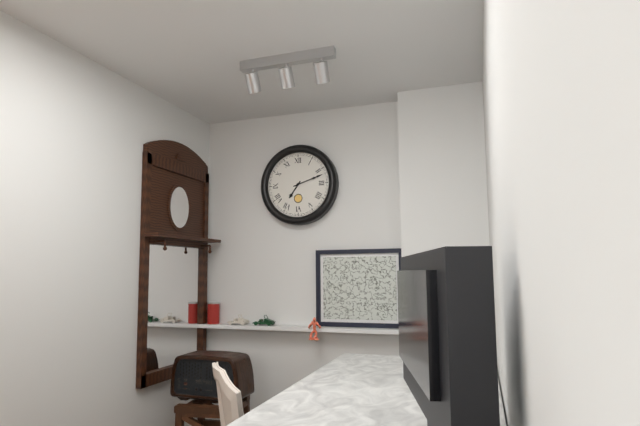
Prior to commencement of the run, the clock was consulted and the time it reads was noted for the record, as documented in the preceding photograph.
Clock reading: 7:12
